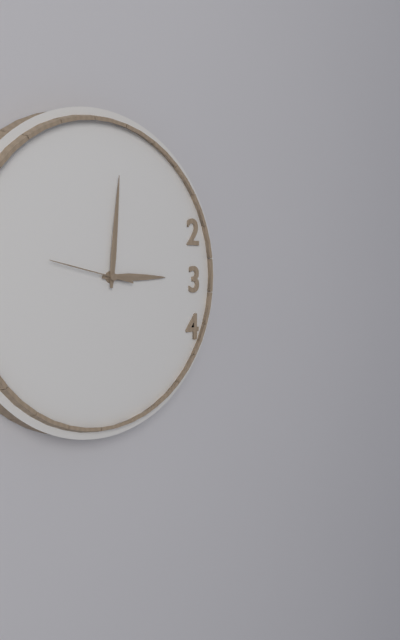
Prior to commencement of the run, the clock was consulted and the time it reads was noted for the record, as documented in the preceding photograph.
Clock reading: 3:01:47
